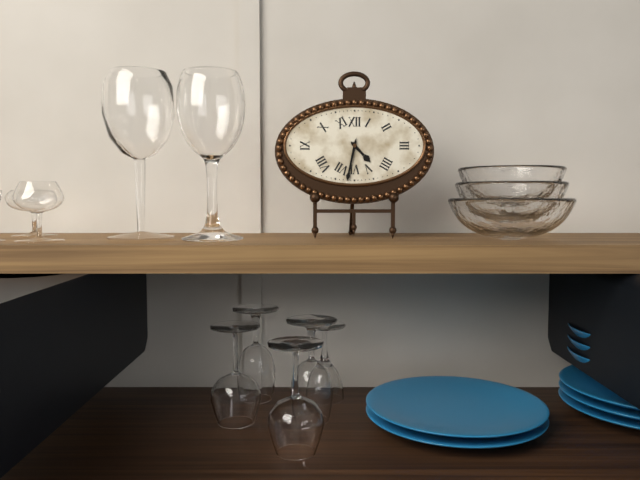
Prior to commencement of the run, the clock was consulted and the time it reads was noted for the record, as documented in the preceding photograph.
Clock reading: 4:32
